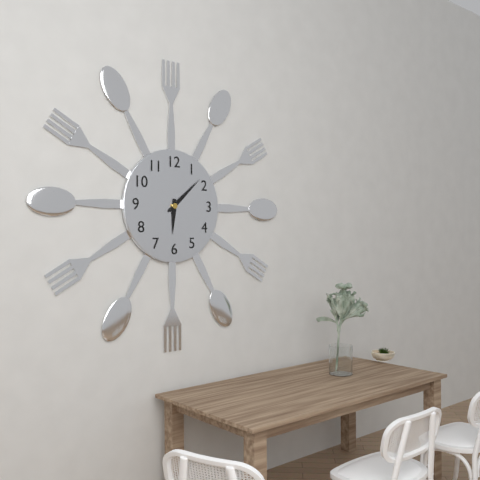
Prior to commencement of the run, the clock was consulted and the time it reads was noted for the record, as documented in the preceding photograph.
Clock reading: 6:08
